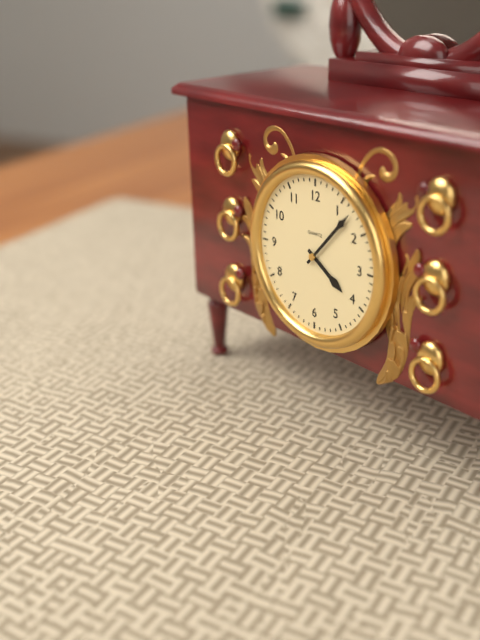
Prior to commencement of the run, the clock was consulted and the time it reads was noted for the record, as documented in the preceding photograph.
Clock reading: 4:07
